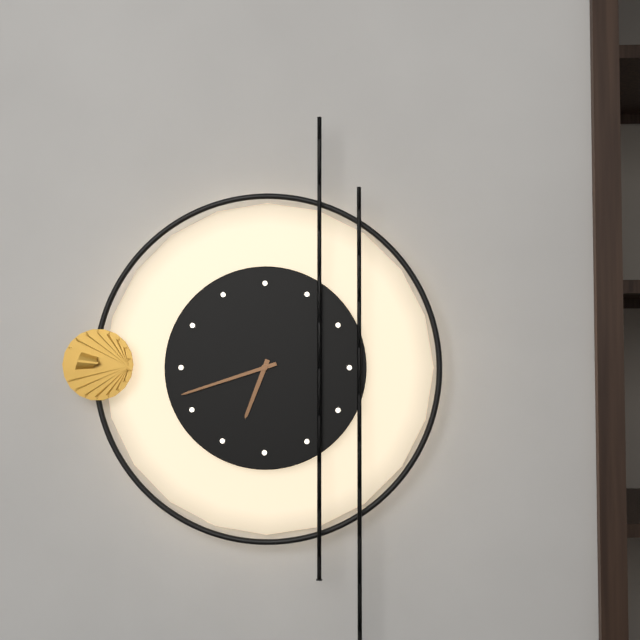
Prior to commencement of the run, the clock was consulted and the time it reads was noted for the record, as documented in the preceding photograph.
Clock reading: 6:42
